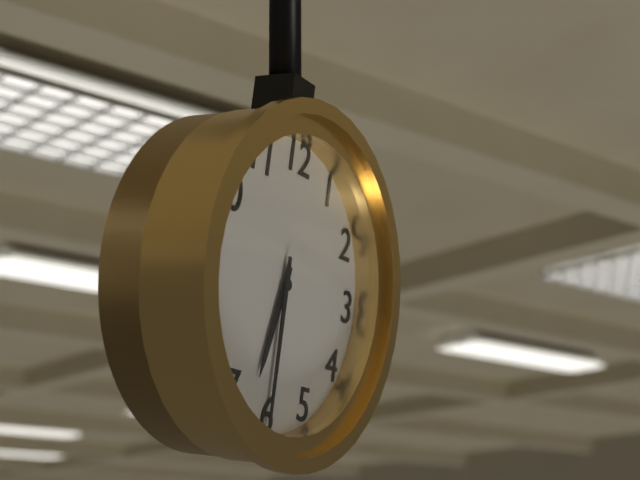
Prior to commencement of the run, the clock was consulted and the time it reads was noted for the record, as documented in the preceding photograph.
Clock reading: 6:30
